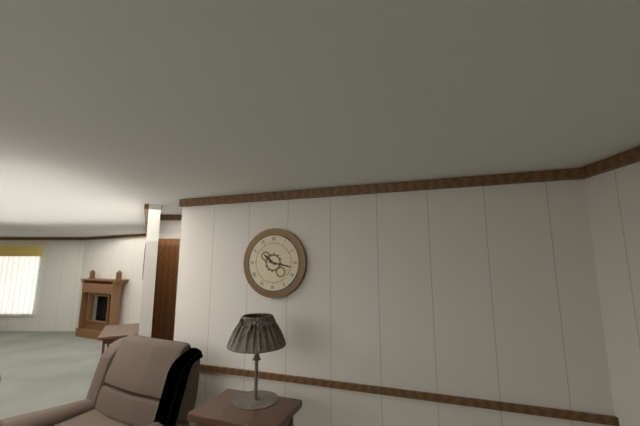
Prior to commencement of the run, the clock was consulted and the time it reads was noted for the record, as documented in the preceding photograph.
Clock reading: 10:17
